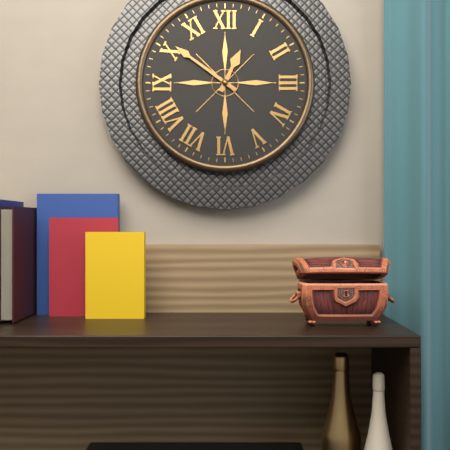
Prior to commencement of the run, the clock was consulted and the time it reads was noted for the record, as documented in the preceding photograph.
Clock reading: 12:51
